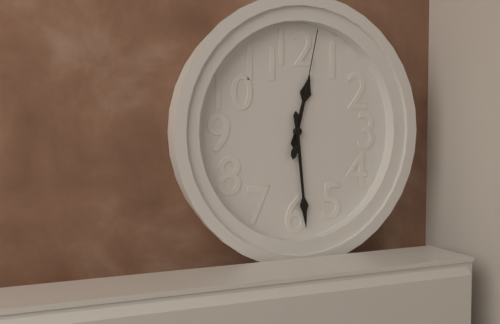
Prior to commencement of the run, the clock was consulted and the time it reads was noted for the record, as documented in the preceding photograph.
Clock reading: 12:29:02
